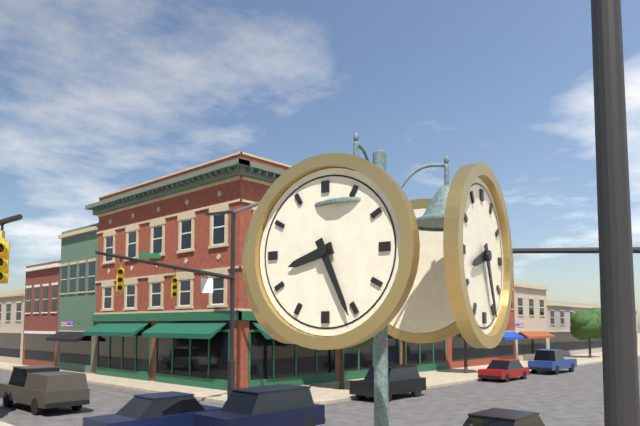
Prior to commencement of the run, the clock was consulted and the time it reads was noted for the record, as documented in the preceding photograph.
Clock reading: 8:26
